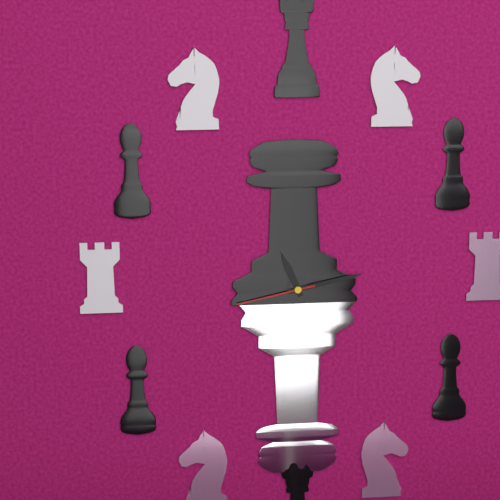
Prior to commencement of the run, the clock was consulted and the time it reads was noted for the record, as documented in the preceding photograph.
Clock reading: 11:13:43
